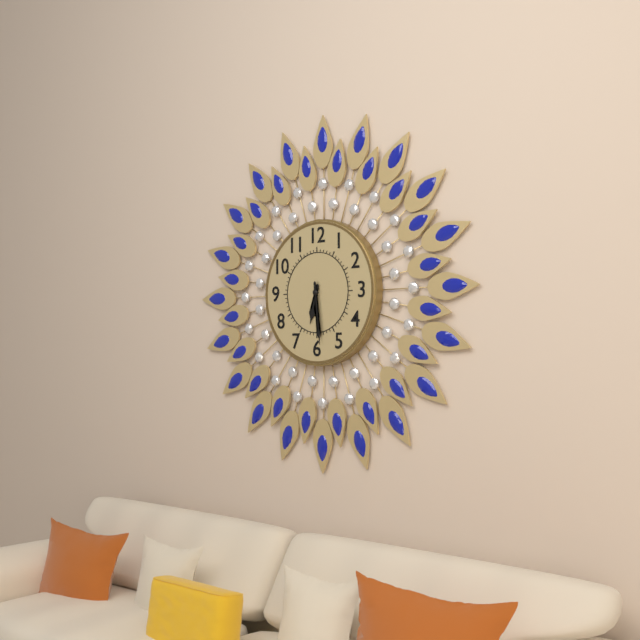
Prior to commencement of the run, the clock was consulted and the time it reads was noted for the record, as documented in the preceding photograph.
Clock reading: 6:29
